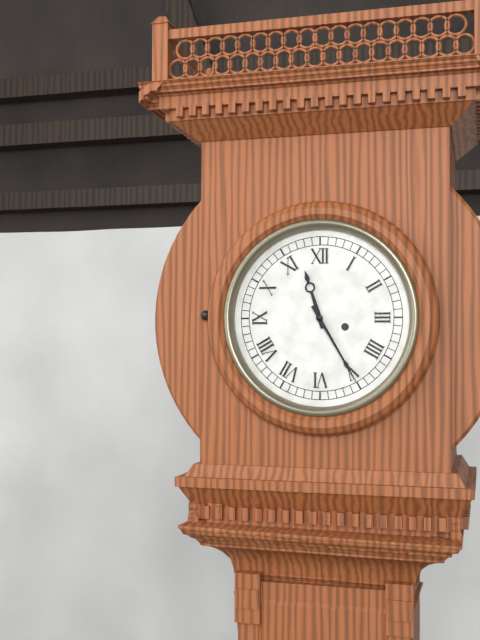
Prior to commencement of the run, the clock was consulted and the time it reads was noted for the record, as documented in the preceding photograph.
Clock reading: 11:25
